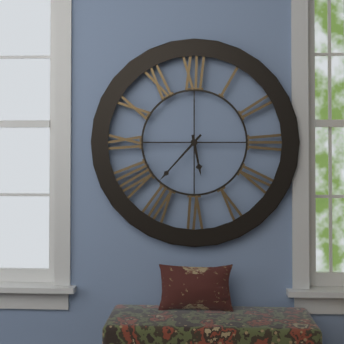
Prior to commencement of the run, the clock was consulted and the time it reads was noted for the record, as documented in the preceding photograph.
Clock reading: 5:37
